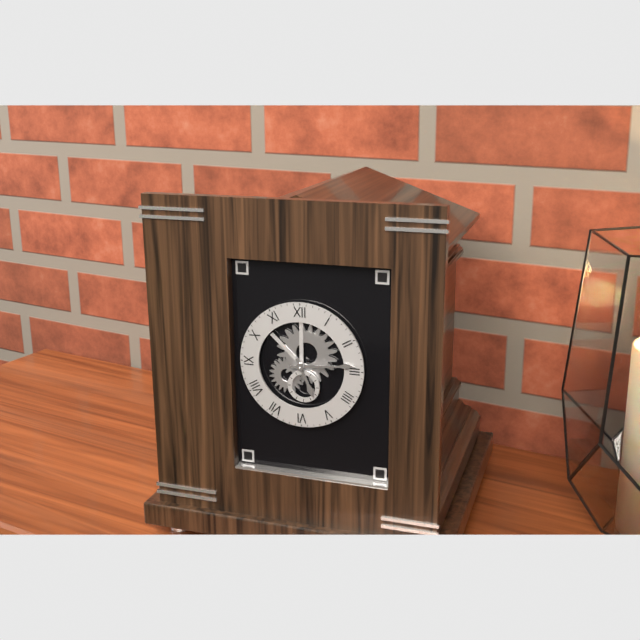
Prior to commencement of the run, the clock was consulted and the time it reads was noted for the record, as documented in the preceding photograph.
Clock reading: 5:14
